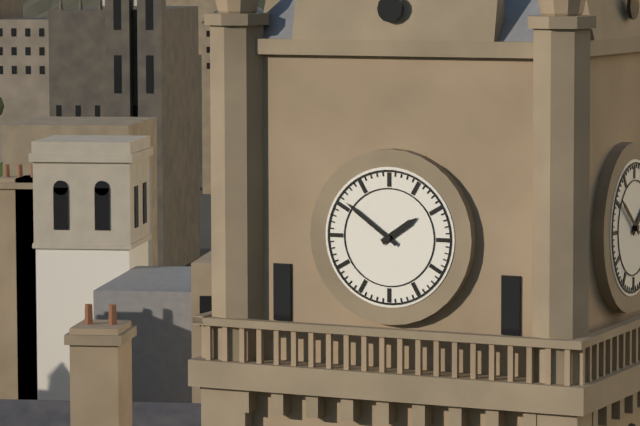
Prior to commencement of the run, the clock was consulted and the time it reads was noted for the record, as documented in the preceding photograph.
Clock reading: 1:51
